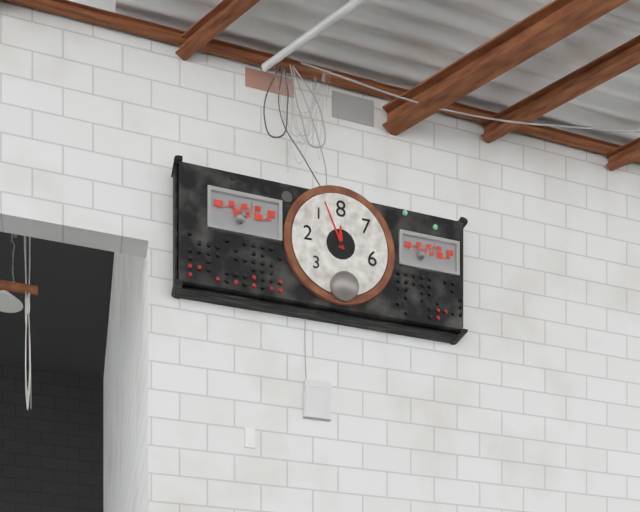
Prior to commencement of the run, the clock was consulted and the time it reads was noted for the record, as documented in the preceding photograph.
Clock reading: 11:56
